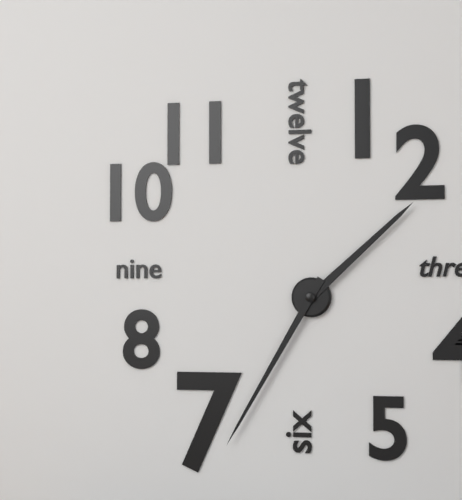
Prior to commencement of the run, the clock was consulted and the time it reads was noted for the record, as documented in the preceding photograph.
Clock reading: 1:35
